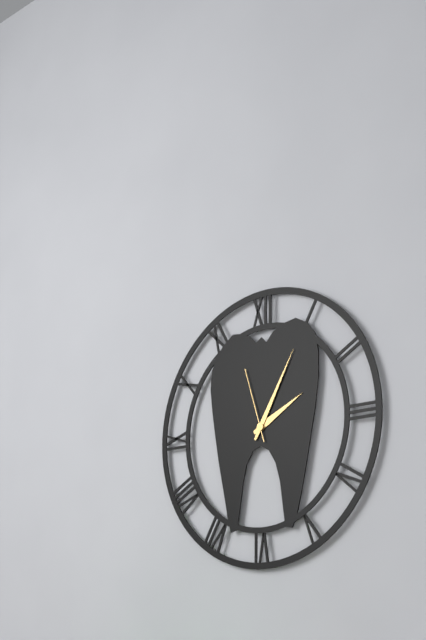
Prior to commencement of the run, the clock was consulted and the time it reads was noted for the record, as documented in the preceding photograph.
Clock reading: 2:05:57
